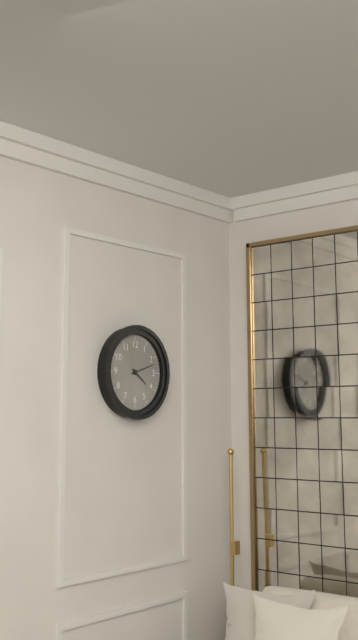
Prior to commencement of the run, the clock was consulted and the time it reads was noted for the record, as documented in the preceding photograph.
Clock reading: 4:12
